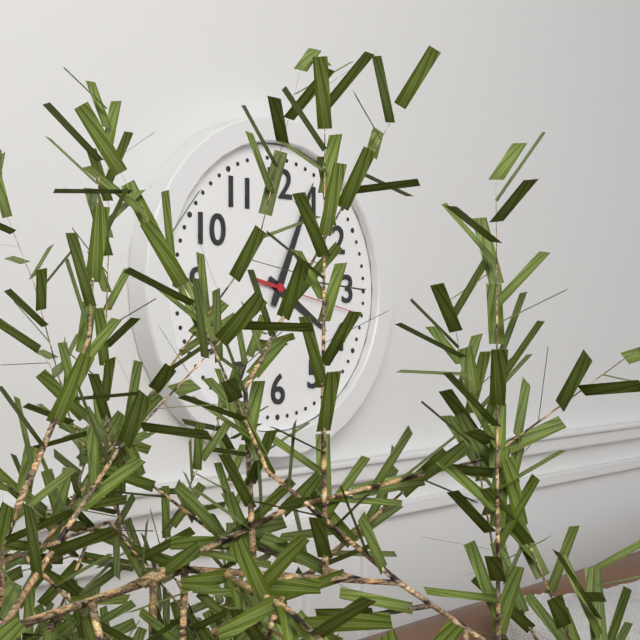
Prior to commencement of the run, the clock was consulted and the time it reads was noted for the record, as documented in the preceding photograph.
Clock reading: 4:04:17
